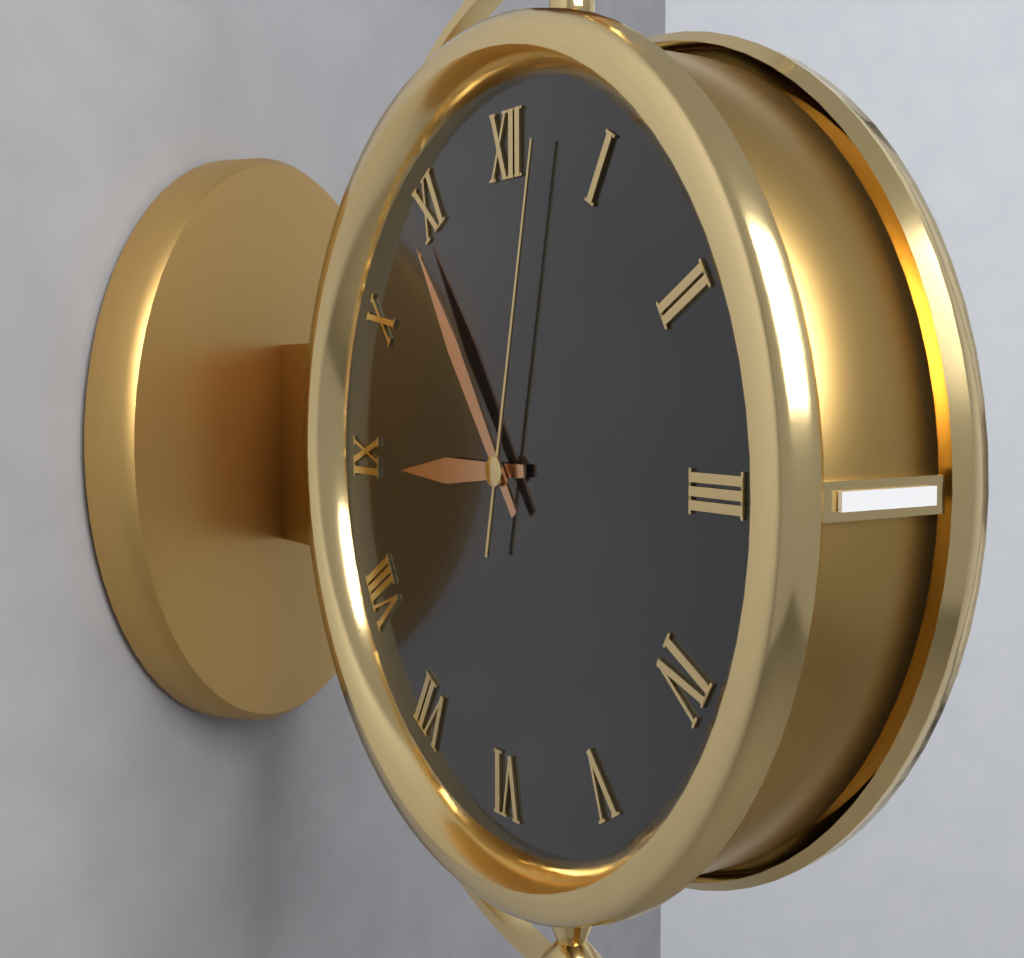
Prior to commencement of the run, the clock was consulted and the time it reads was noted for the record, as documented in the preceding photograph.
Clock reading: 8:54:02
